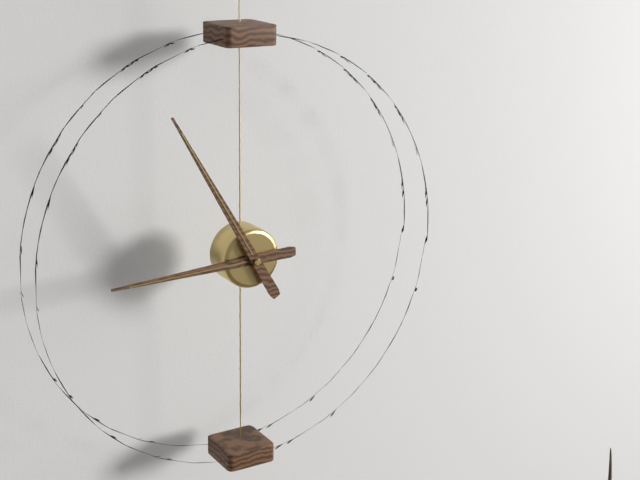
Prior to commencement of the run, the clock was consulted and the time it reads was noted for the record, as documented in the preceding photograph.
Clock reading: 8:55
